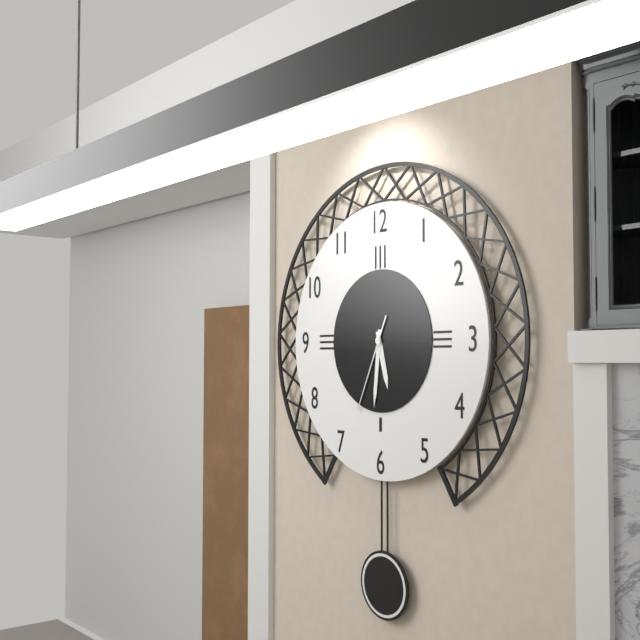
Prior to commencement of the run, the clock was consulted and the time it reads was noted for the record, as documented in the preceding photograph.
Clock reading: 5:31:34
